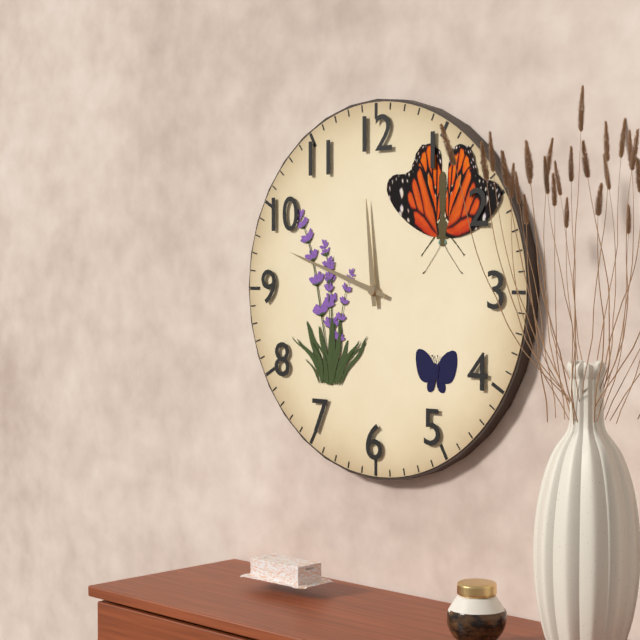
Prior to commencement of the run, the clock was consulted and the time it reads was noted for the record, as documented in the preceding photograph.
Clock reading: 11:48
